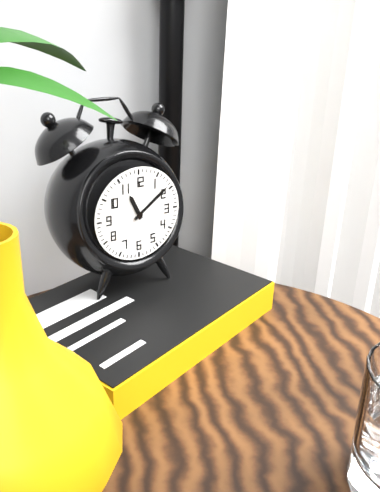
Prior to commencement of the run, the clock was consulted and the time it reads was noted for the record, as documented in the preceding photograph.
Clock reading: 11:09
